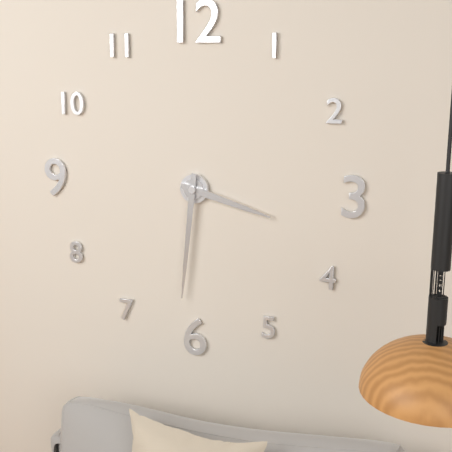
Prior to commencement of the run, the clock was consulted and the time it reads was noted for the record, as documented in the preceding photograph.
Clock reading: 3:31
